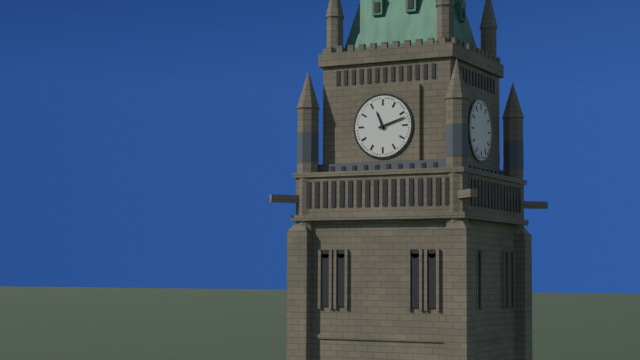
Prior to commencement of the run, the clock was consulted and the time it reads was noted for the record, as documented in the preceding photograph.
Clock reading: 11:12
